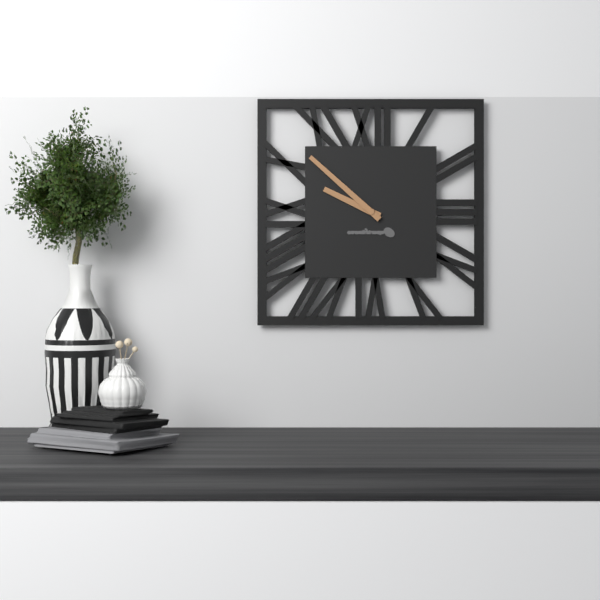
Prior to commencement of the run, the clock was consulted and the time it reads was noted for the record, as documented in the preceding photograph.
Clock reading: 9:52
